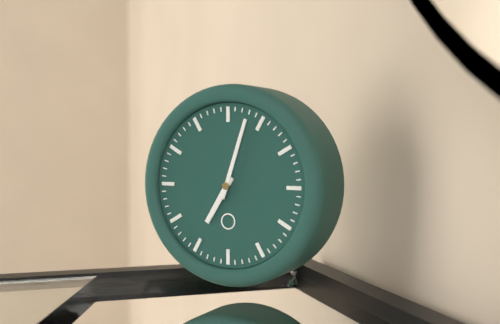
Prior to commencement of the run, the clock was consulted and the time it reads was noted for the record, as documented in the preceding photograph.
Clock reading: 7:03
